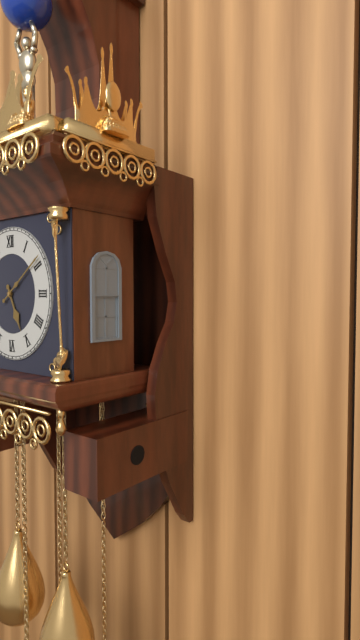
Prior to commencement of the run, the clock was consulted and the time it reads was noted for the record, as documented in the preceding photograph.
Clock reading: 5:09
